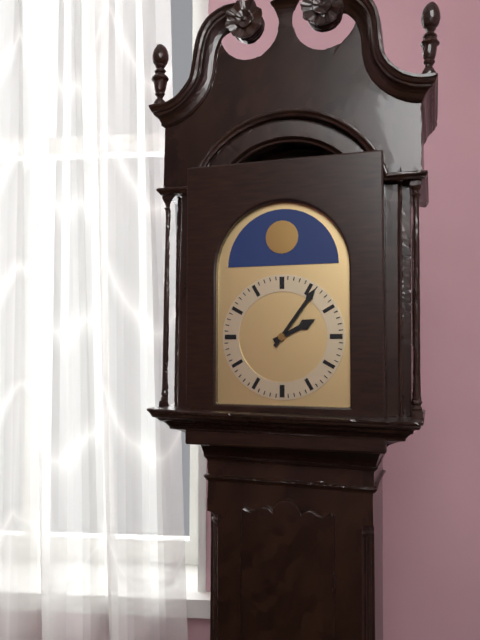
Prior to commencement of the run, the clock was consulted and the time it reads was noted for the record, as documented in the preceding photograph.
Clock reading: 2:06
